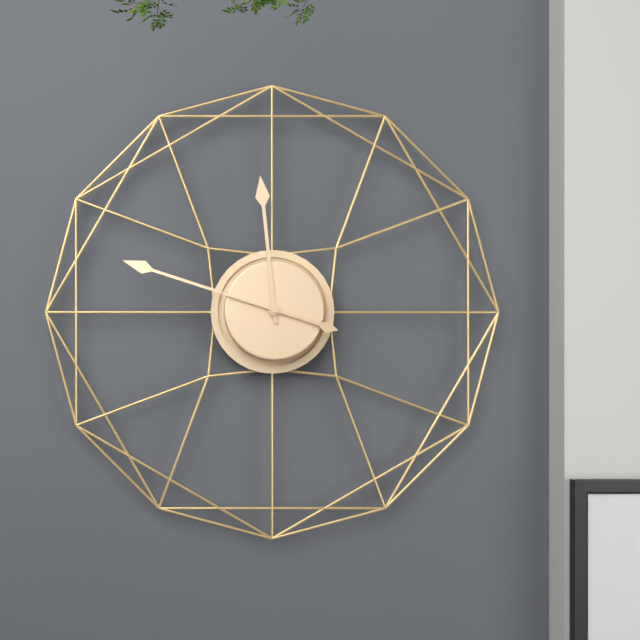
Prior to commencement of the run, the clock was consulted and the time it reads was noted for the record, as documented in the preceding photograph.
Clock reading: 11:48
